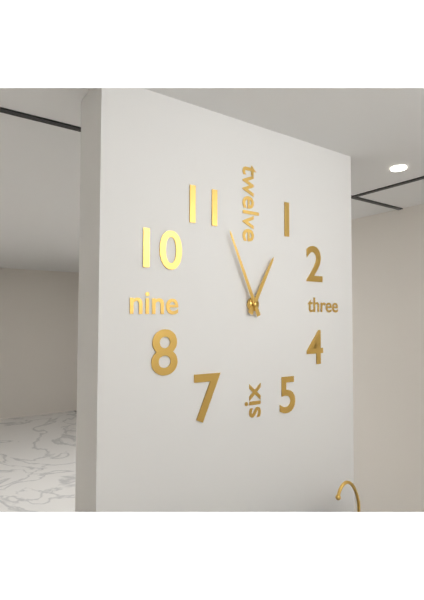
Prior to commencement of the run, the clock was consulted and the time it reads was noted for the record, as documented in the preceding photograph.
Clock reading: 12:56
